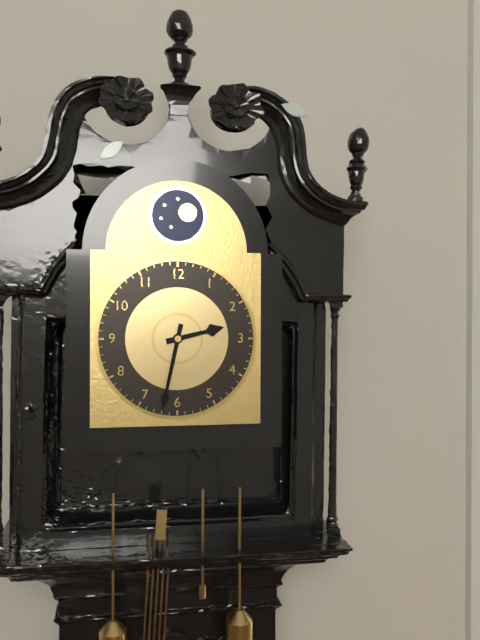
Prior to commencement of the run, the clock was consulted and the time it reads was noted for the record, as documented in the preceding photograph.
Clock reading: 2:32
